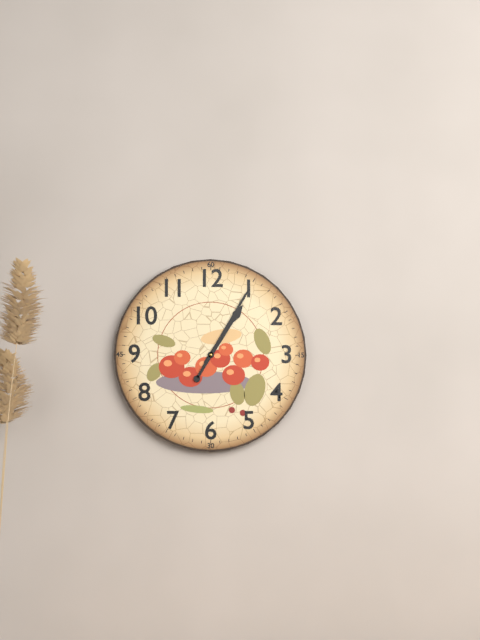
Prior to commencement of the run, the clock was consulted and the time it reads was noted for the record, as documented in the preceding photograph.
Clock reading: 1:05
